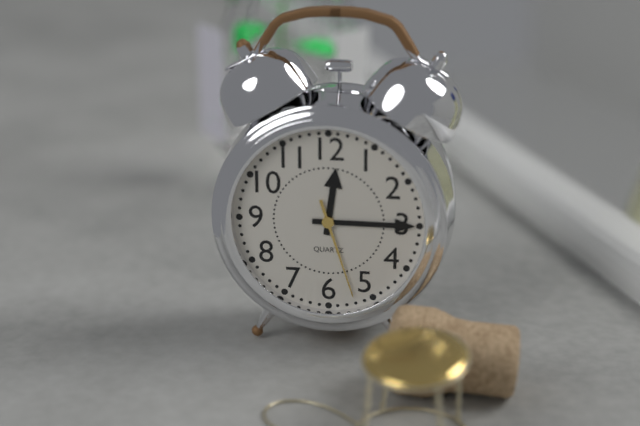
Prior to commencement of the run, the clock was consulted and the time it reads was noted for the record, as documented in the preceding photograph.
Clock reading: 12:15:27
